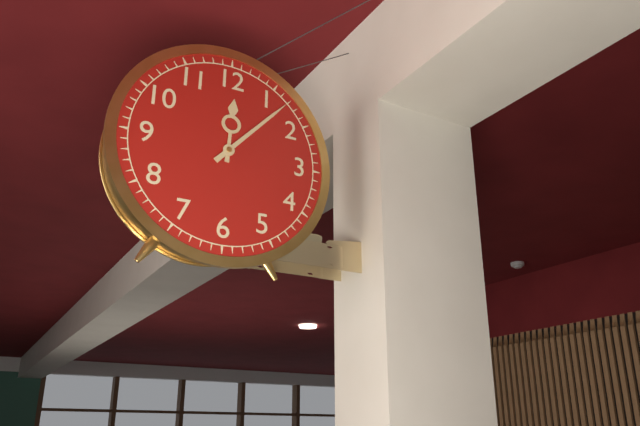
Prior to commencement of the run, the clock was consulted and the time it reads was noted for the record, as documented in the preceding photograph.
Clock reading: 12:07
